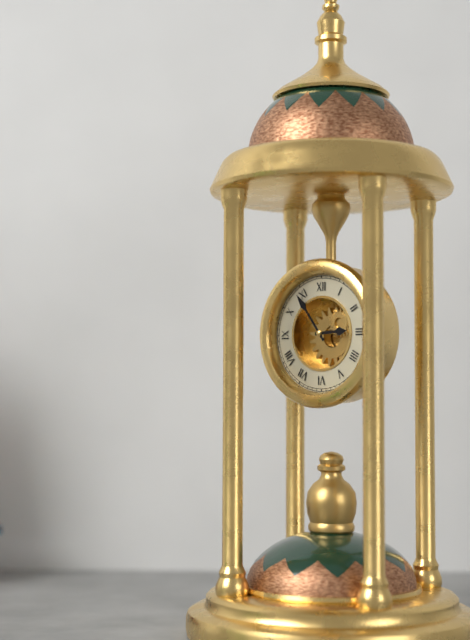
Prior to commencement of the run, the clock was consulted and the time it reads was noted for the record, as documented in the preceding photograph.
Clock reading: 2:54
